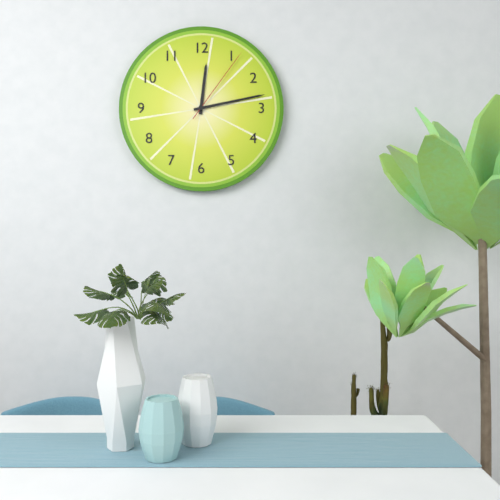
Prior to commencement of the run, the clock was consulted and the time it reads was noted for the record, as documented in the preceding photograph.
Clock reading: 12:13:06
